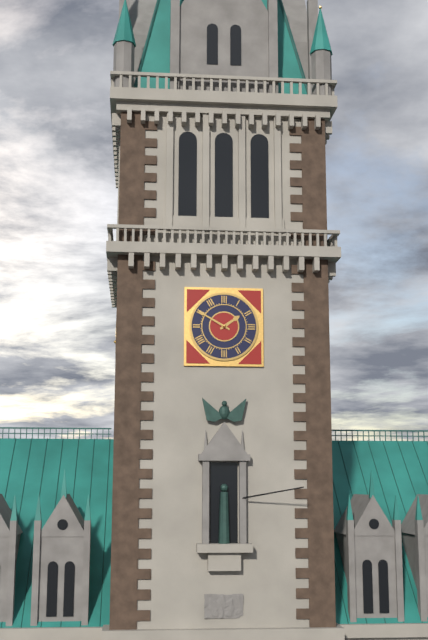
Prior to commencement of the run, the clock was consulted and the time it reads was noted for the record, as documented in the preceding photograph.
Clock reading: 1:50
